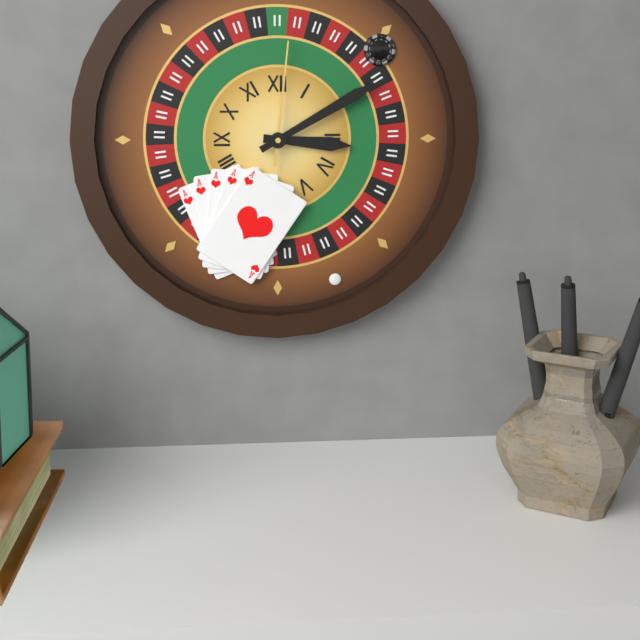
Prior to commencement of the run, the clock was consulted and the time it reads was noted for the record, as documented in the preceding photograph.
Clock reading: 3:10:01
